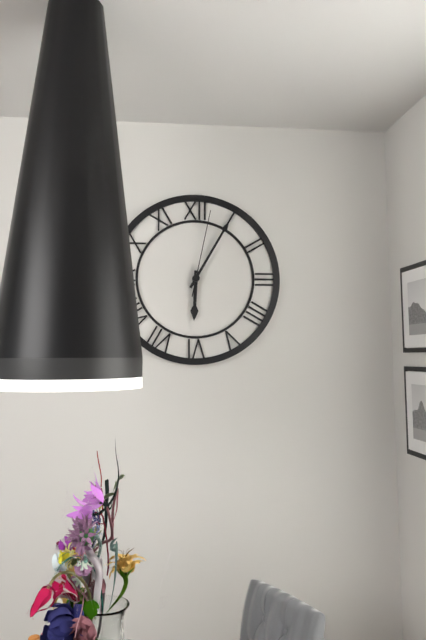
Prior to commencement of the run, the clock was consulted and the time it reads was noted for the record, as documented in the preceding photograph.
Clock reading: 6:05:02
